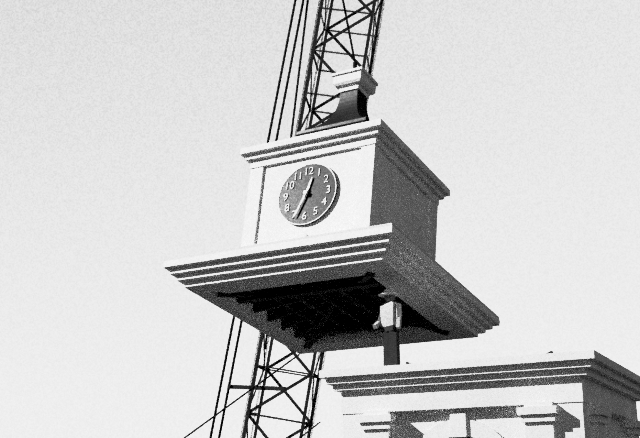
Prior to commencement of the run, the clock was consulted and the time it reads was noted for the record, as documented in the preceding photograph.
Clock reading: 12:34
